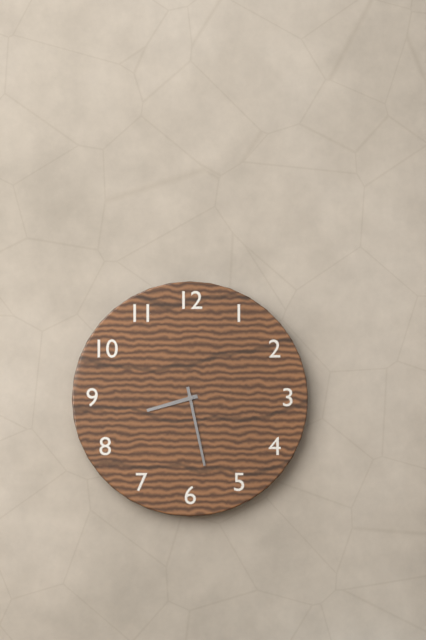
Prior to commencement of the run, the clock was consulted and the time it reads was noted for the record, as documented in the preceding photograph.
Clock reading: 8:28
